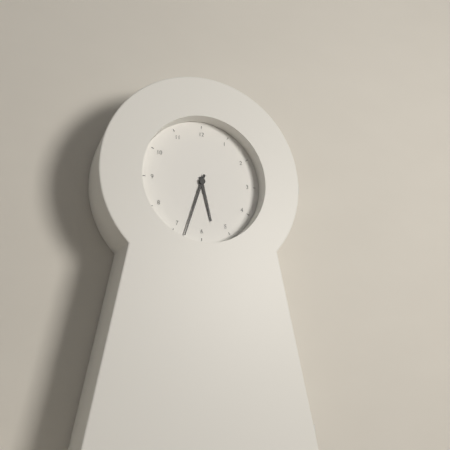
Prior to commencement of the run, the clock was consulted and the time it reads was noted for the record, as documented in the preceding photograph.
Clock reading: 5:33
